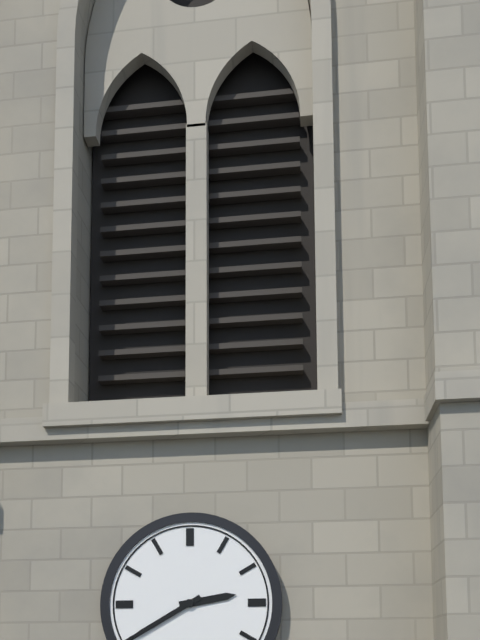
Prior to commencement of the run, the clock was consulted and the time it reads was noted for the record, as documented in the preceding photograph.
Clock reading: 2:40
